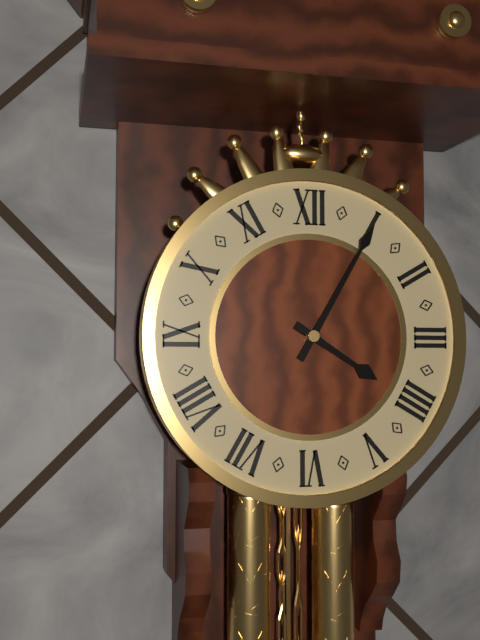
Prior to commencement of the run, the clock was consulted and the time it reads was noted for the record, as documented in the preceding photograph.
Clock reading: 4:05
